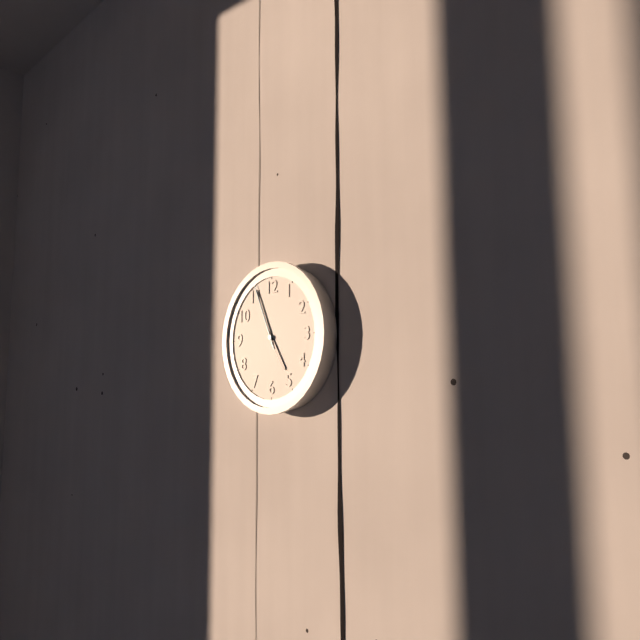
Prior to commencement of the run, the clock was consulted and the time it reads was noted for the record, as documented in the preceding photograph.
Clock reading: 4:56:56
